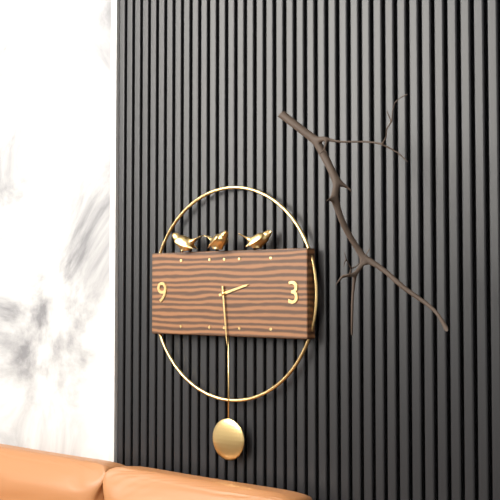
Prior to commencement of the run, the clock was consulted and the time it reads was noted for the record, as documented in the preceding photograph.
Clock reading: 2:29
